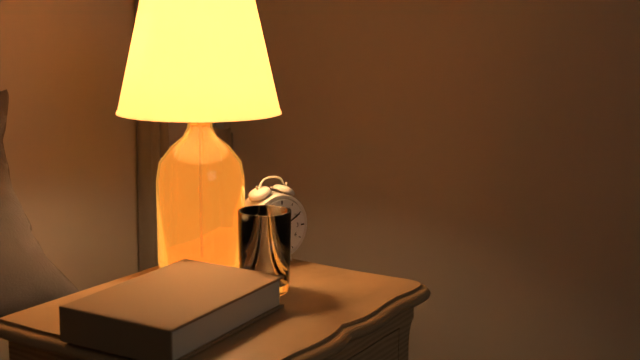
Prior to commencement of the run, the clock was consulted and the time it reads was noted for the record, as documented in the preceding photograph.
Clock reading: 9:10
